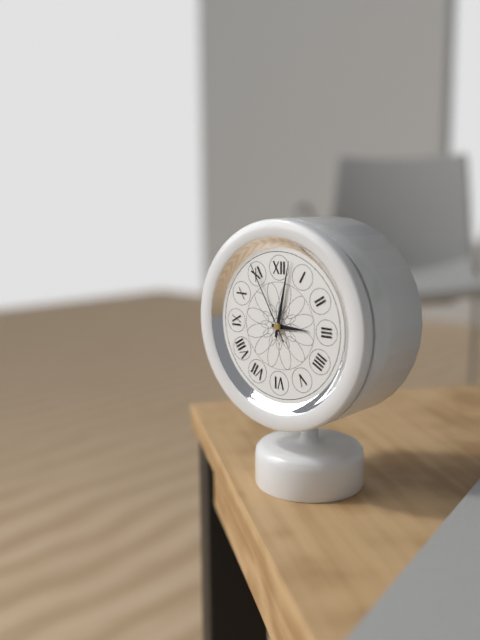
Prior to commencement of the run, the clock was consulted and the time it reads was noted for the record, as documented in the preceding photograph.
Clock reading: 3:02:55
